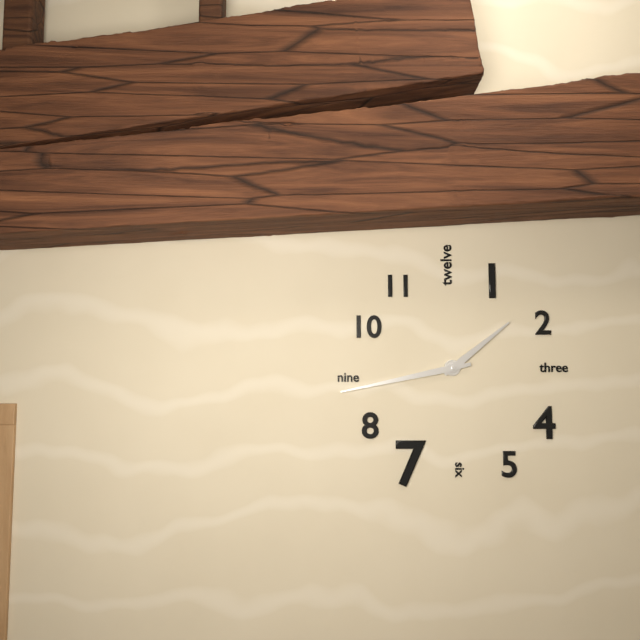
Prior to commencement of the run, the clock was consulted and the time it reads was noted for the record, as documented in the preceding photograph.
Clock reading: 1:43
